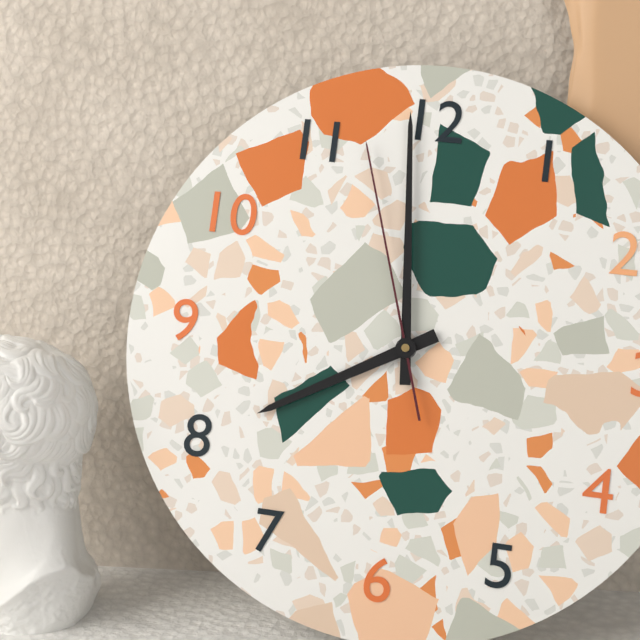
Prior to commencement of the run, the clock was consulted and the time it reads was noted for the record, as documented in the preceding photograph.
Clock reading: 7:59:57
